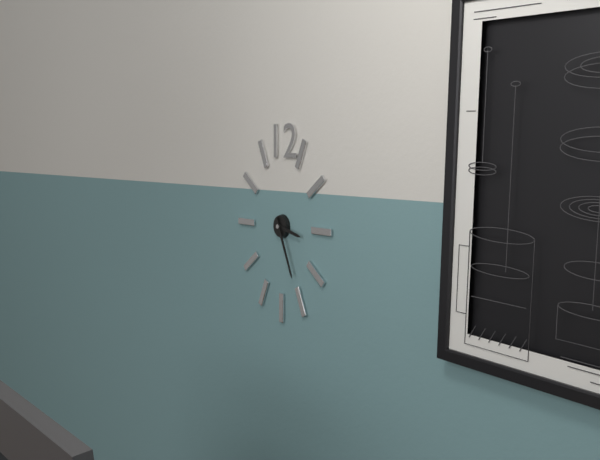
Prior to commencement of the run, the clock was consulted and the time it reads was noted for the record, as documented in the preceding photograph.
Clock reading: 3:26
